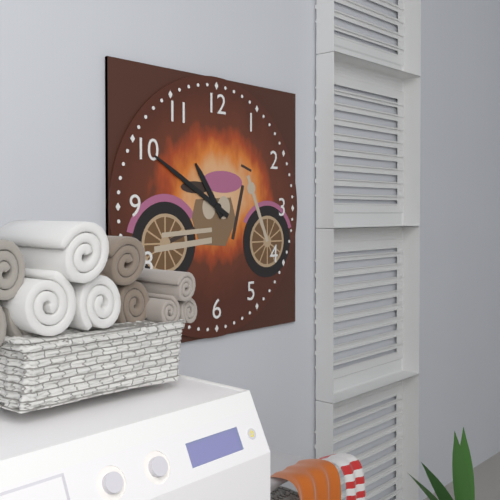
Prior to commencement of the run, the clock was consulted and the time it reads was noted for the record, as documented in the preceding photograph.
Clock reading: 10:50
